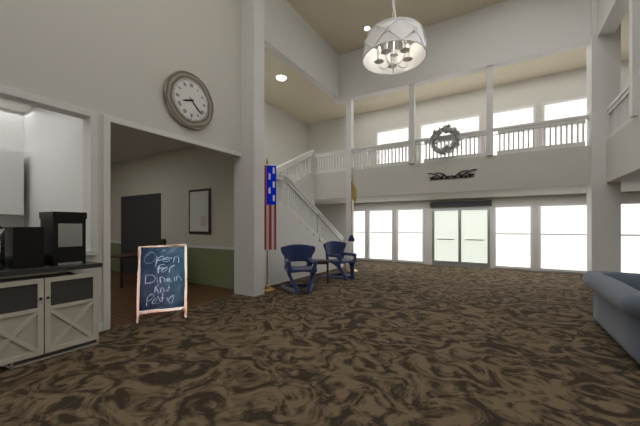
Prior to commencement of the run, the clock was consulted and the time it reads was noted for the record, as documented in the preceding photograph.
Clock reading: 8:22
